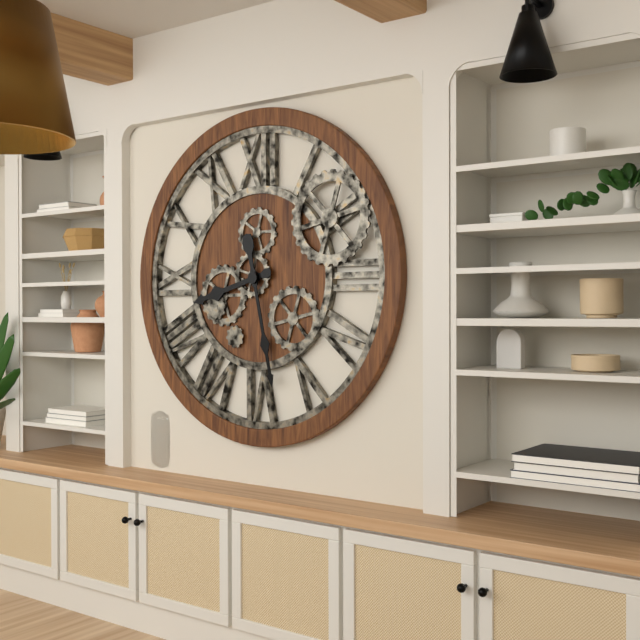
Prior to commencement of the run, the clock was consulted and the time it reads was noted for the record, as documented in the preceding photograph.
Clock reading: 8:28
